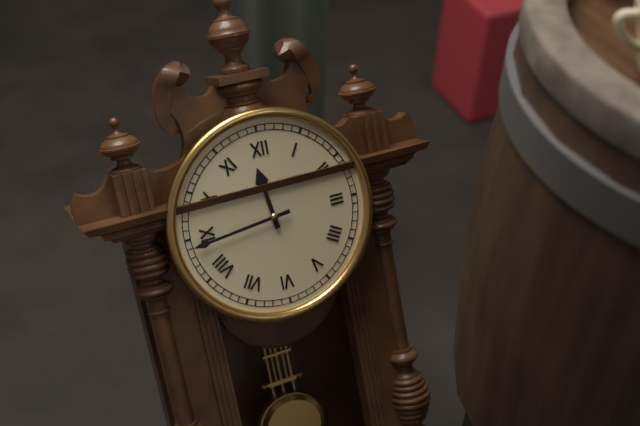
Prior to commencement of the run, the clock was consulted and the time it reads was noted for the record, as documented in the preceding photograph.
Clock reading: 11:44
